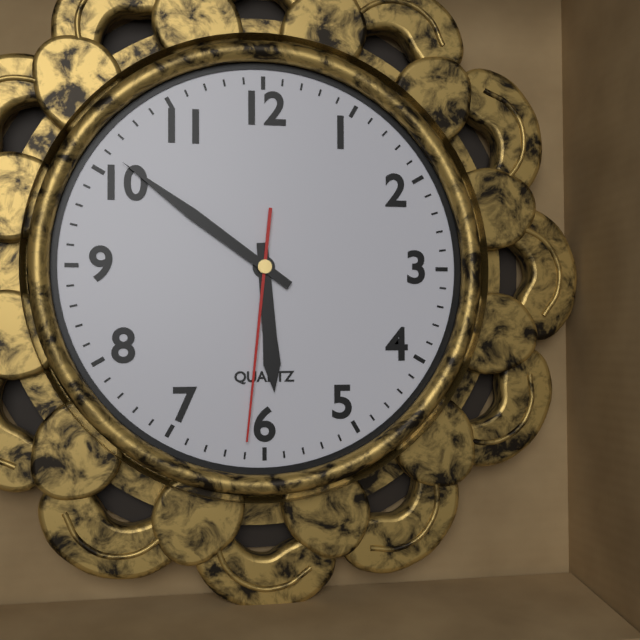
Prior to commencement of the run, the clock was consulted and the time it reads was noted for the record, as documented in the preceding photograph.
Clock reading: 5:51:31
